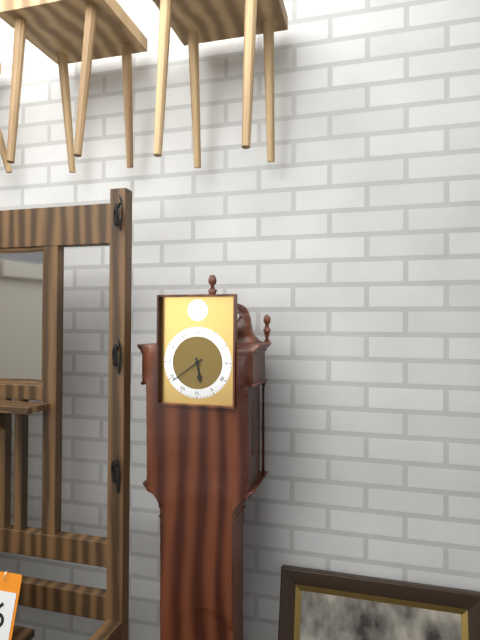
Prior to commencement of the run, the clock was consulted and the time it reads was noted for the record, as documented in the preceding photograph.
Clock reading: 5:39
